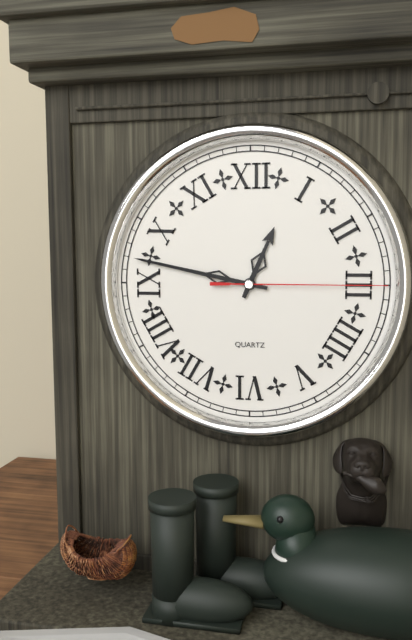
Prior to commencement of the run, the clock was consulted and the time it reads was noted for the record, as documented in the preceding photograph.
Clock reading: 12:47:15
